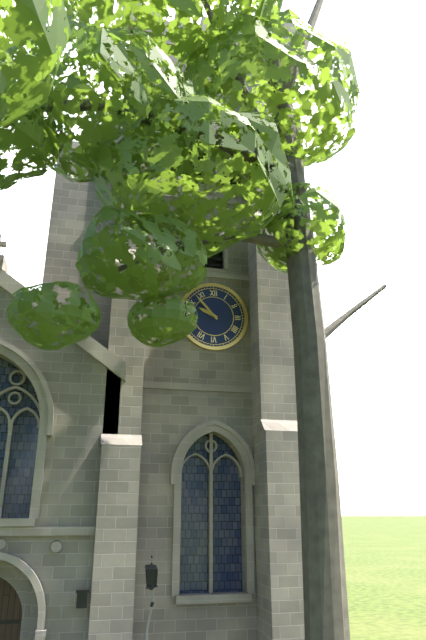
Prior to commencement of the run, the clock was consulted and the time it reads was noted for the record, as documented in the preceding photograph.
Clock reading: 9:53
